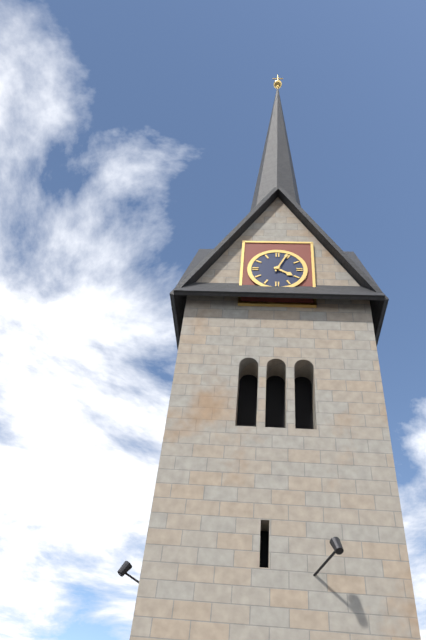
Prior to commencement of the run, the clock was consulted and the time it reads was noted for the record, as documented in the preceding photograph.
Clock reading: 4:04
